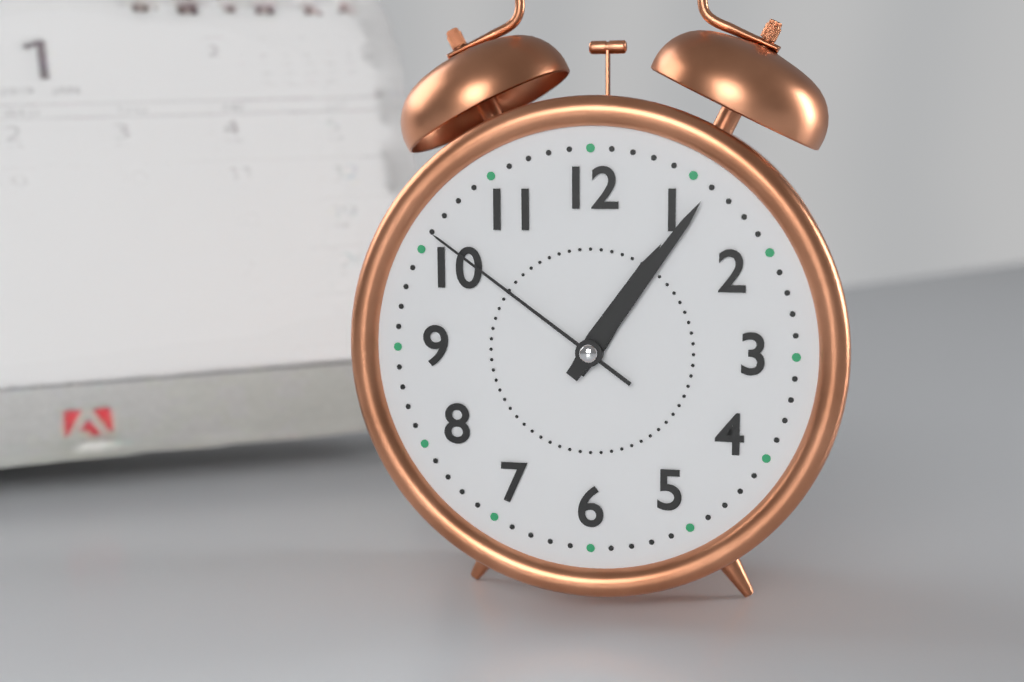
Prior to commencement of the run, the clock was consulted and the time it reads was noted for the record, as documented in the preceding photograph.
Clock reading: 1:06:51
